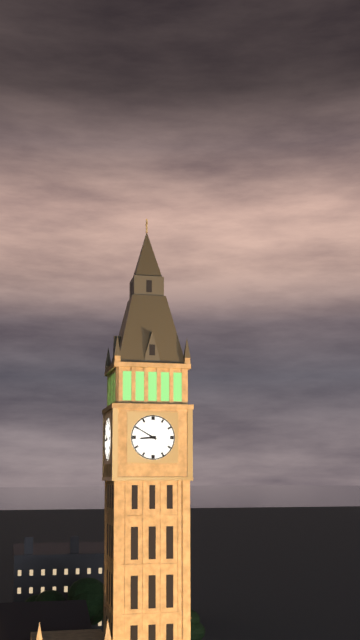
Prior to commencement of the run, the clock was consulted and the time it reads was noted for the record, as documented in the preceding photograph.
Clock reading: 8:50
